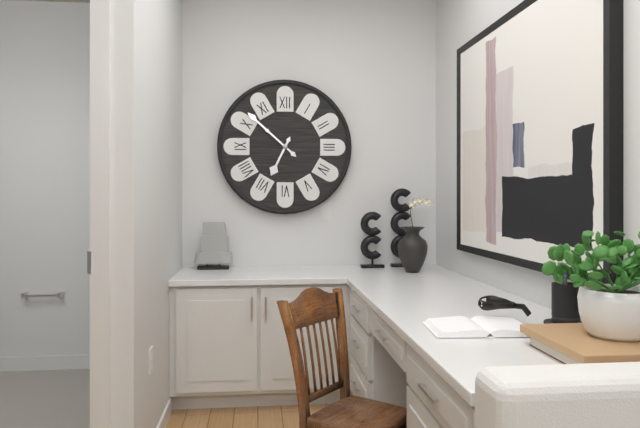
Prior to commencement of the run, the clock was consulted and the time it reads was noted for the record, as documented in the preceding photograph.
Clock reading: 6:52
